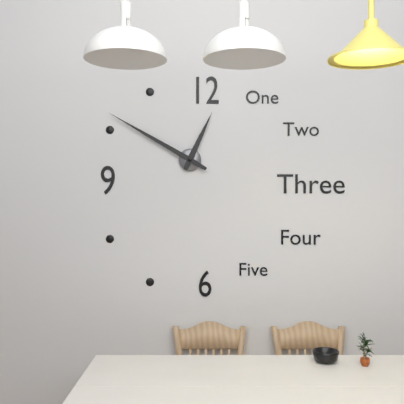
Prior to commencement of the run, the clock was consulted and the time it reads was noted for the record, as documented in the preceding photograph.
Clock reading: 12:50
